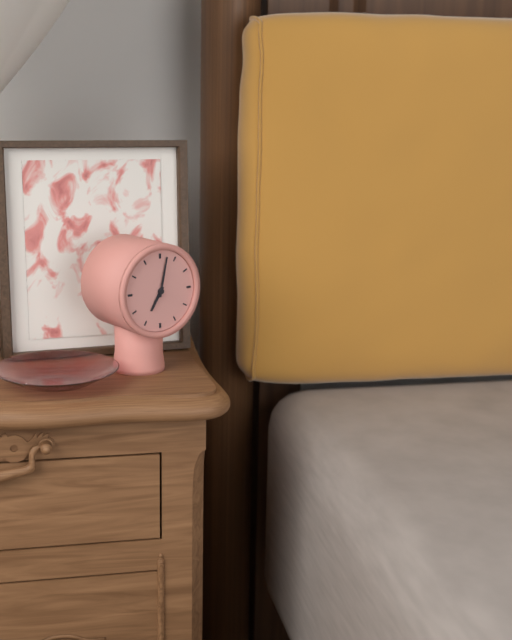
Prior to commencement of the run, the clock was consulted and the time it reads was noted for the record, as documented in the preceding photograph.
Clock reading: 7:02
